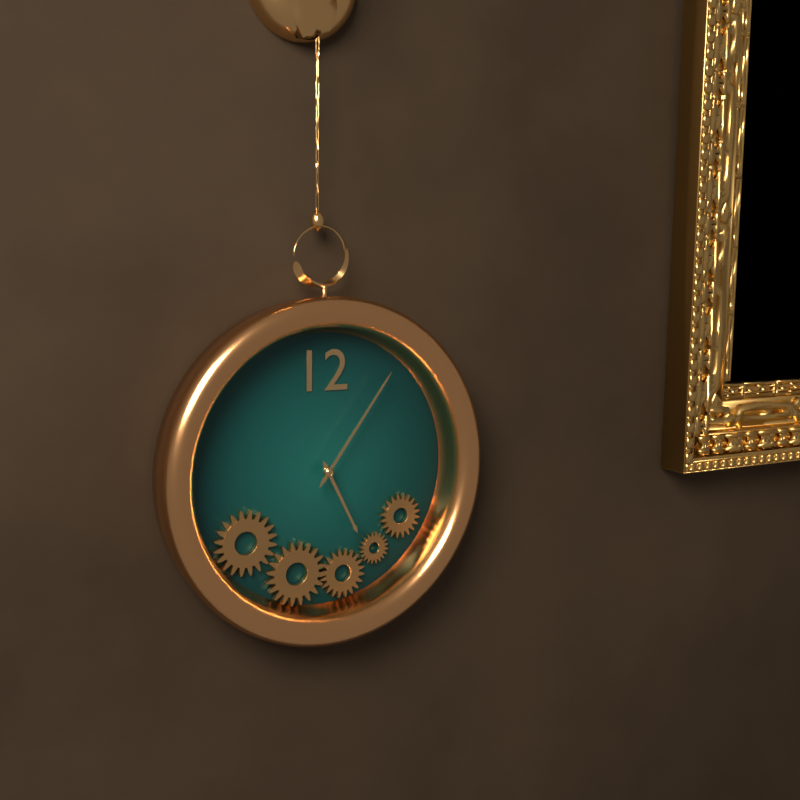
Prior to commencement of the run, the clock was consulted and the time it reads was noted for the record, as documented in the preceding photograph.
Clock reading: 5:06
